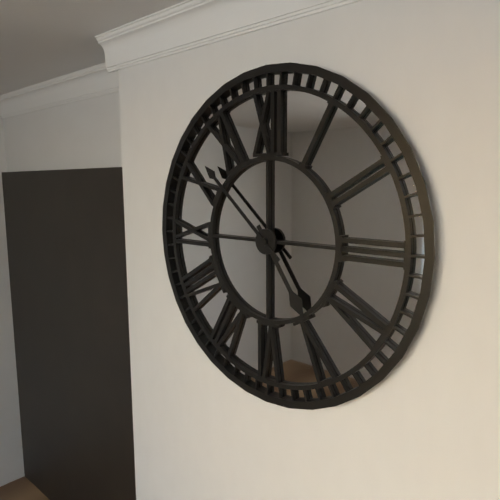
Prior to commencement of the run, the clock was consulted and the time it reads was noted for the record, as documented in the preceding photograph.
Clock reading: 4:52
